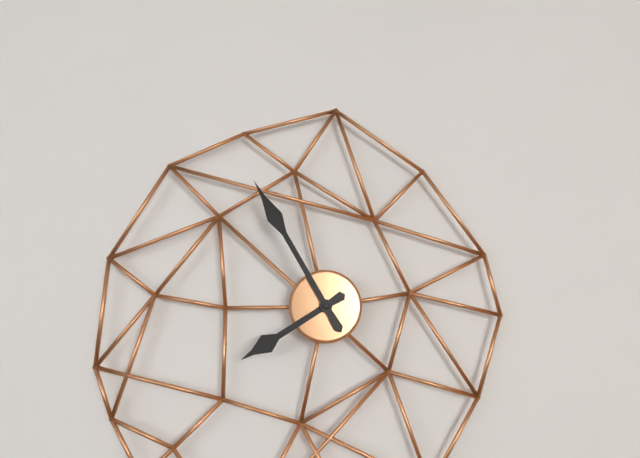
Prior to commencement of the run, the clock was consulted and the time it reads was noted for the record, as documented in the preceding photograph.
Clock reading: 7:55
